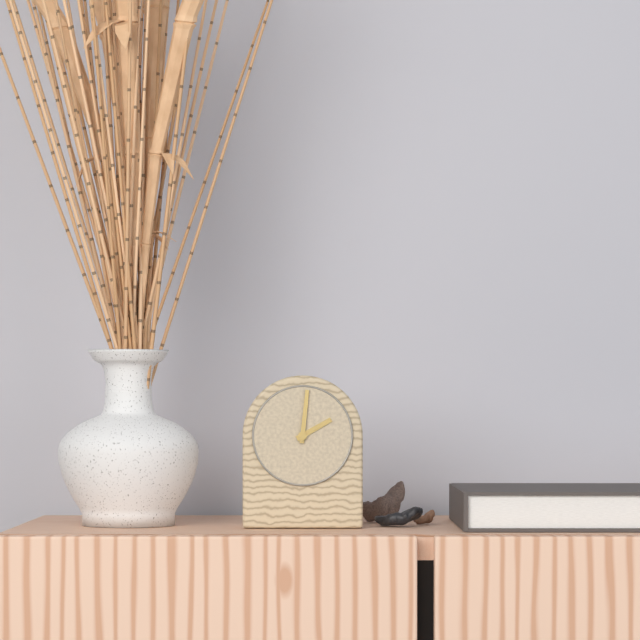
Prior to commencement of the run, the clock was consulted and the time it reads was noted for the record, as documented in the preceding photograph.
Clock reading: 2:01
